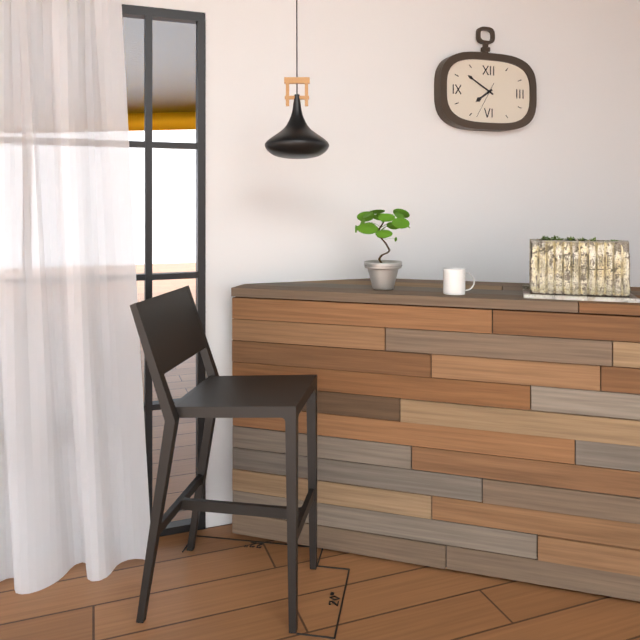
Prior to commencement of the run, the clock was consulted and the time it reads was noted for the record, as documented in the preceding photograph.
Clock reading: 7:50
